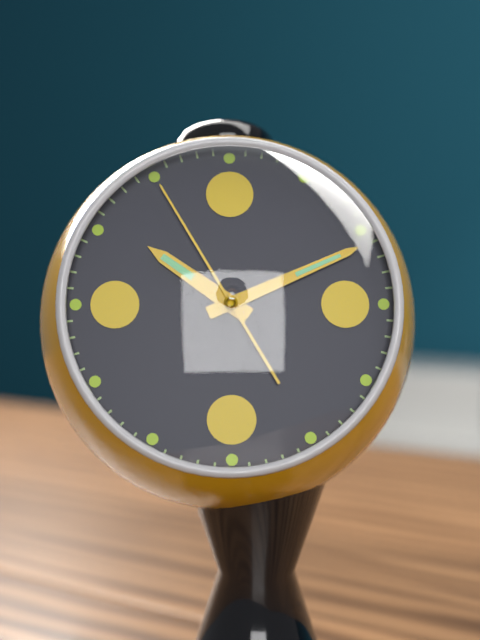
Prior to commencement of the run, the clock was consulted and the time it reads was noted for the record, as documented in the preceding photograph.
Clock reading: 10:11:55
